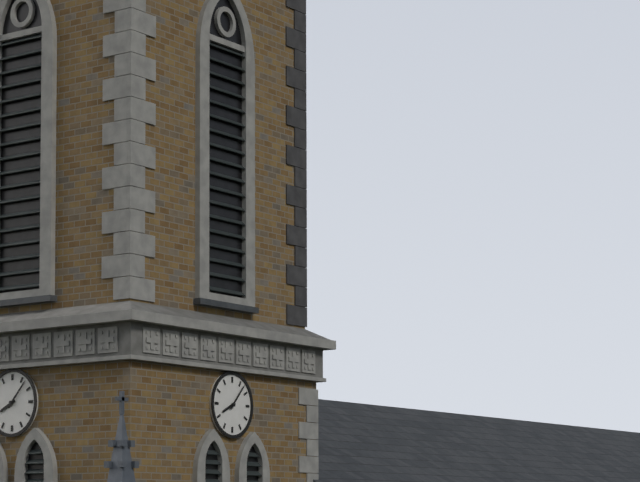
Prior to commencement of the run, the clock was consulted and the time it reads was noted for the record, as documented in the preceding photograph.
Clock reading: 8:07
